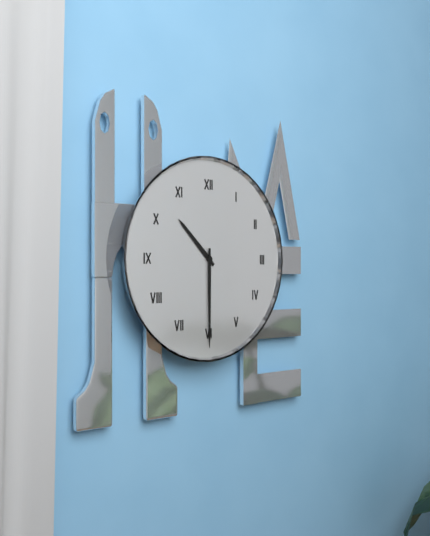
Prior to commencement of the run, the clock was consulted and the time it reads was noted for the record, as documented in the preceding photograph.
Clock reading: 10:30
